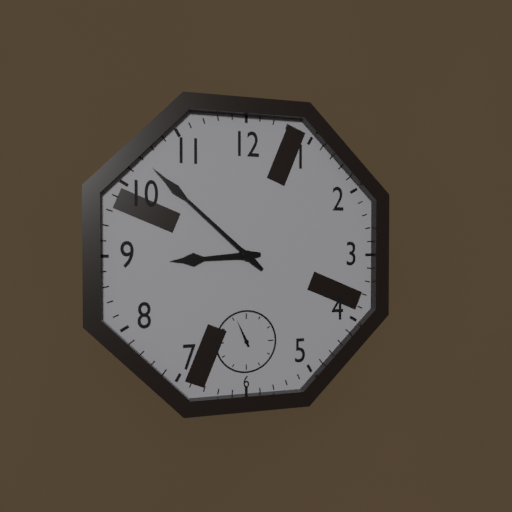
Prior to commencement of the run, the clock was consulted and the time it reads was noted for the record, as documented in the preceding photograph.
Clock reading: 8:52
